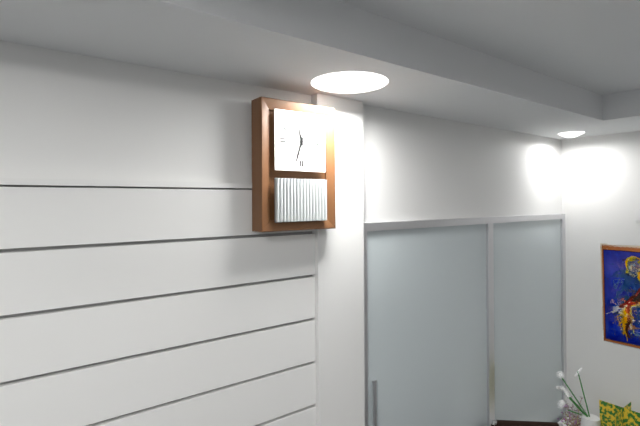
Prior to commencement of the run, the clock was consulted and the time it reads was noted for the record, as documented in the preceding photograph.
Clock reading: 11:33
